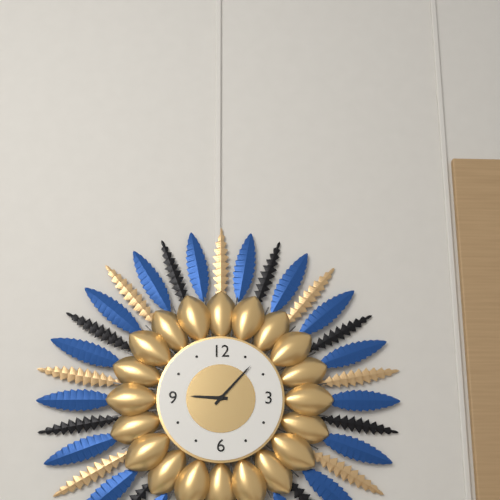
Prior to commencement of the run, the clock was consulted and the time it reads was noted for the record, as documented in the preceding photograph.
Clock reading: 9:07
